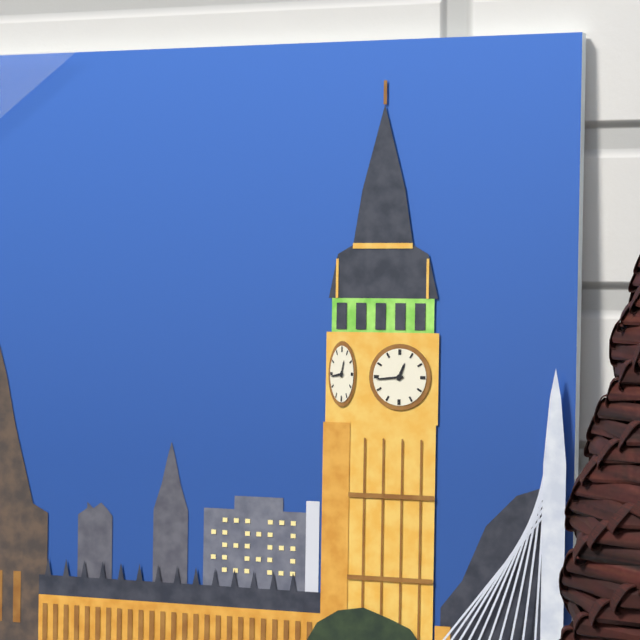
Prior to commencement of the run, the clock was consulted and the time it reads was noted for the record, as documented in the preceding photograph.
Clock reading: 12:44
